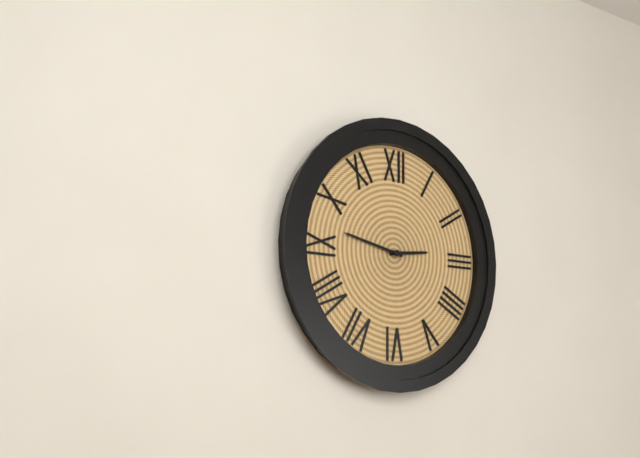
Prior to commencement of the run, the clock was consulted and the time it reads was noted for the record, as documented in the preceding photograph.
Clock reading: 2:47
